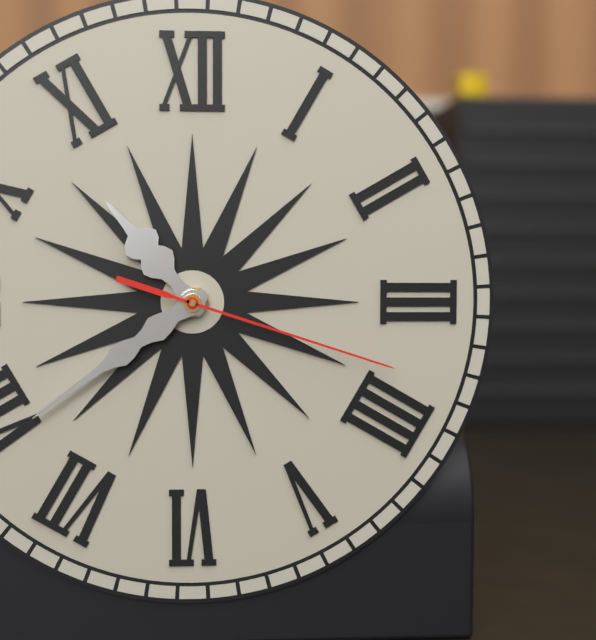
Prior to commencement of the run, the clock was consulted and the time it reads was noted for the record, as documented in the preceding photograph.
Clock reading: 10:39:18
